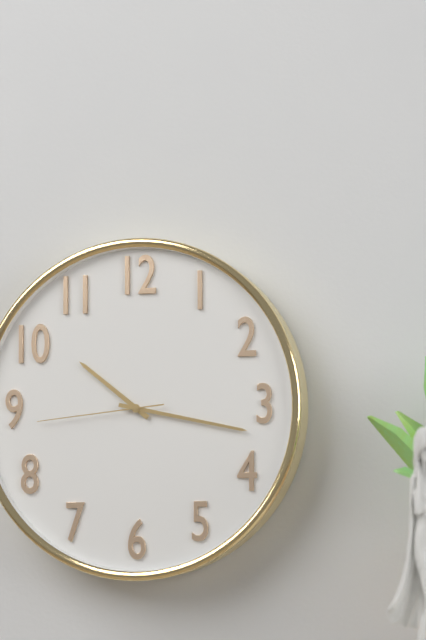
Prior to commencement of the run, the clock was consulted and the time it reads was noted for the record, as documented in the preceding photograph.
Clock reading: 10:17:44
